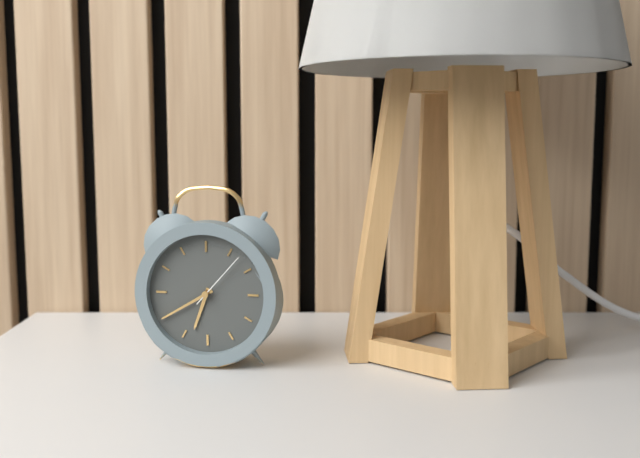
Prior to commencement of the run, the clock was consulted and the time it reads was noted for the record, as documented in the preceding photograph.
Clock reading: 6:40:07
